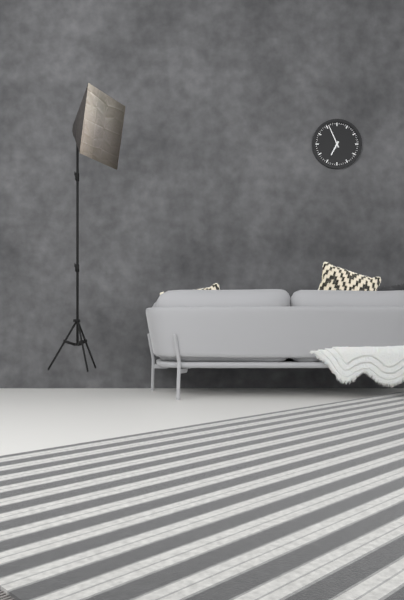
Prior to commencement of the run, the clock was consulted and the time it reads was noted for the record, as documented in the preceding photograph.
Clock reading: 6:56
